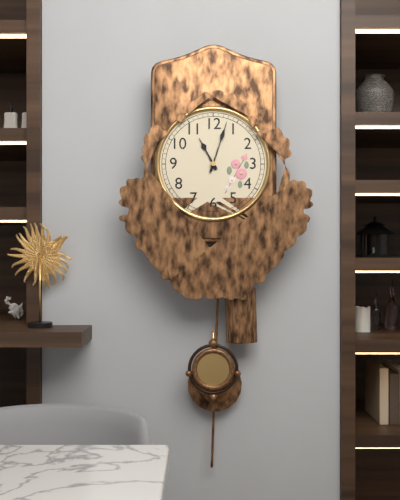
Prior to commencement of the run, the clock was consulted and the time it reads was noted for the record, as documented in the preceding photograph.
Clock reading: 11:03
